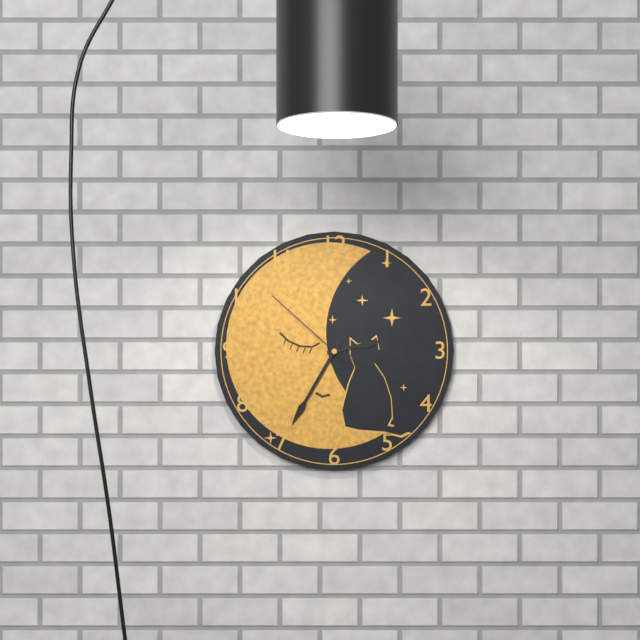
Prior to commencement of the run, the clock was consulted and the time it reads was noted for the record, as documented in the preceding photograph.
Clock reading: 2:35:52
